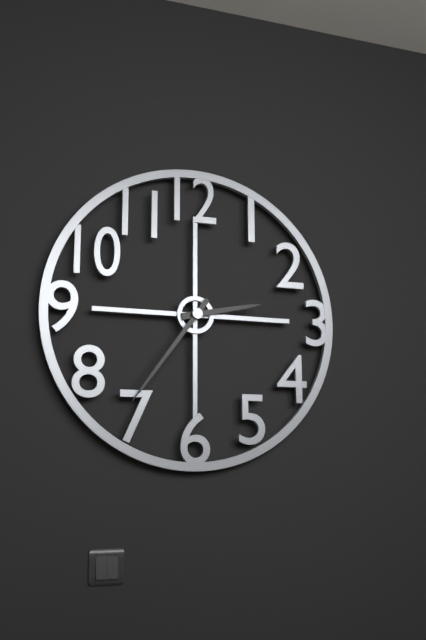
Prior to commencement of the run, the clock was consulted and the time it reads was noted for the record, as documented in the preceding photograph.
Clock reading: 2:36
